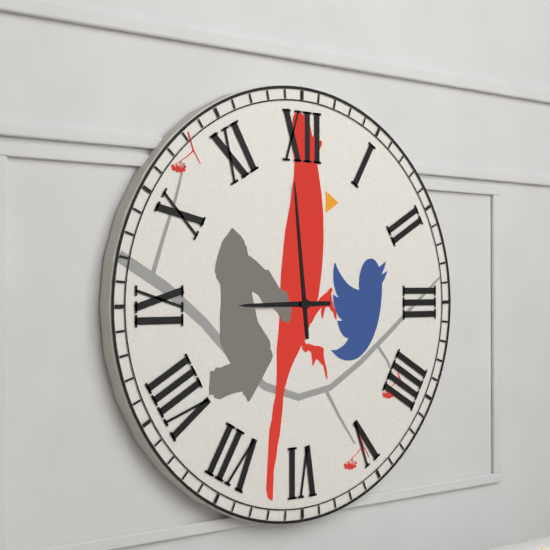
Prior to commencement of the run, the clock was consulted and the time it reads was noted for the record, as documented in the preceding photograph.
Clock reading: 8:59
